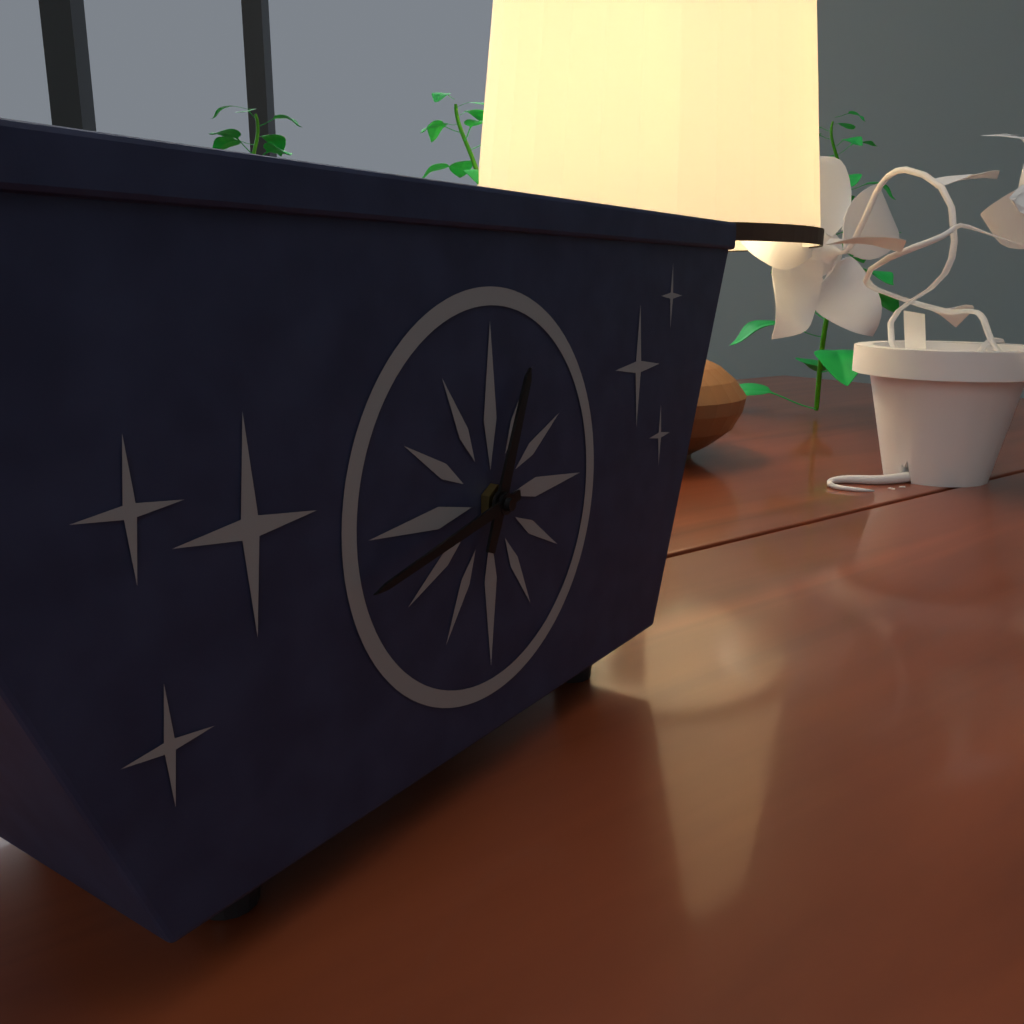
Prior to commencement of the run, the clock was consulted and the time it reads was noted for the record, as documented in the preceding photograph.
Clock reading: 12:43
